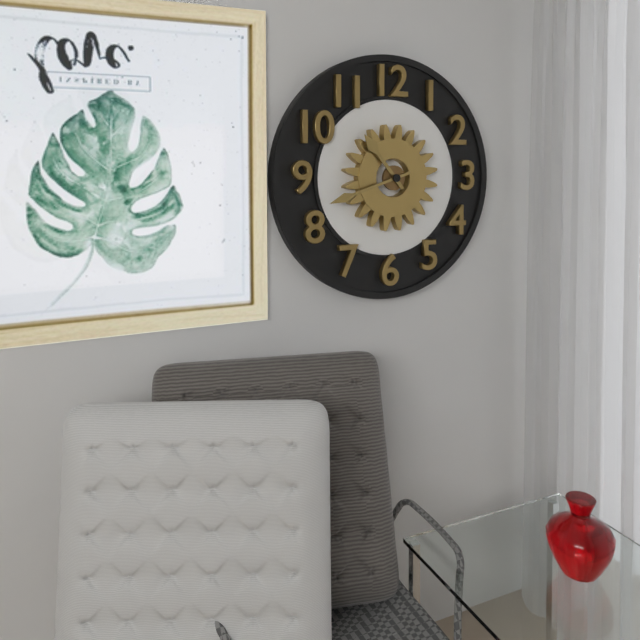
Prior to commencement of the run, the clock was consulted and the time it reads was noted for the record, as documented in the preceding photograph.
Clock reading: 10:42
